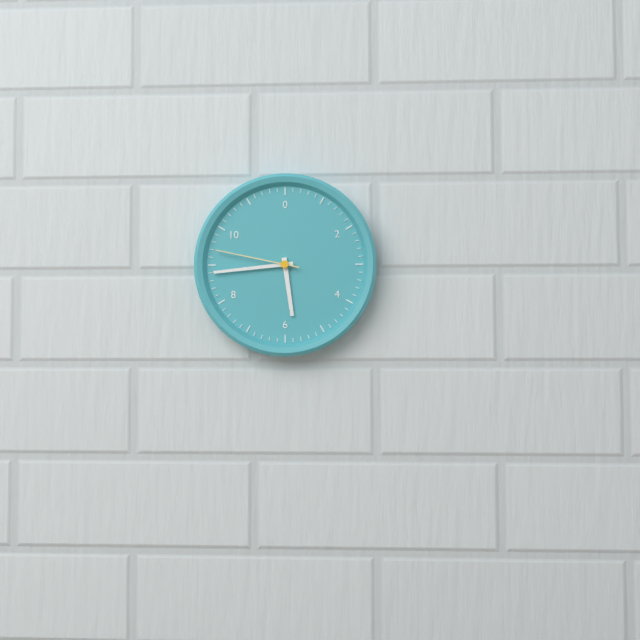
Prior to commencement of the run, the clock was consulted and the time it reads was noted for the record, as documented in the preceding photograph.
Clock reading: 5:44:47
